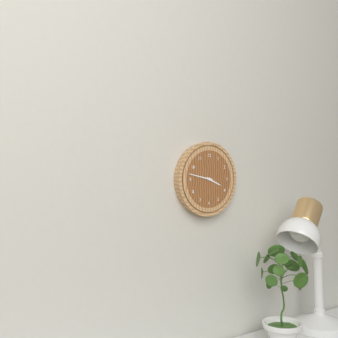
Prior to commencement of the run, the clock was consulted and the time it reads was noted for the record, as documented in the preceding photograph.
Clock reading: 3:47
